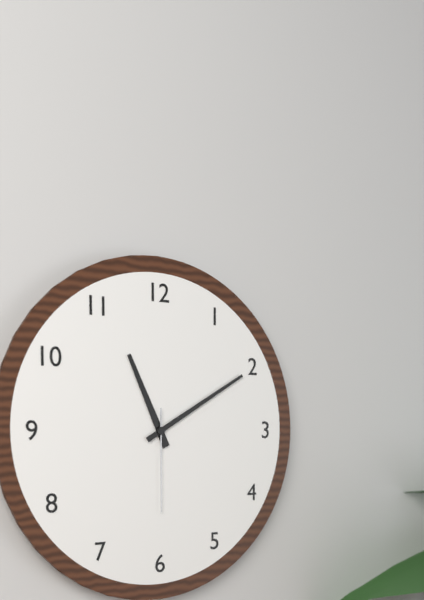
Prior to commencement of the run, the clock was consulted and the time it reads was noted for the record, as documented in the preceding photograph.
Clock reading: 11:10:30
